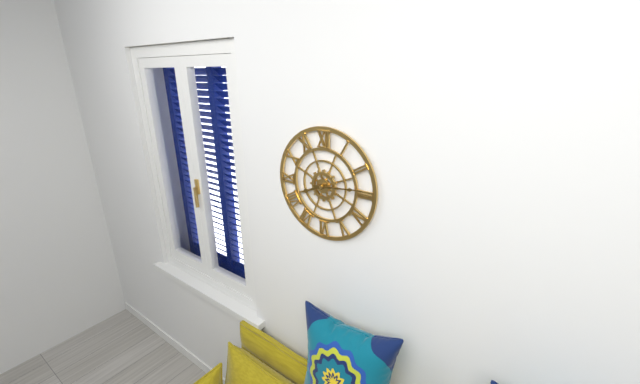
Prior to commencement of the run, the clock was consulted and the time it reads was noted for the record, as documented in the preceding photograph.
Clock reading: 8:14
